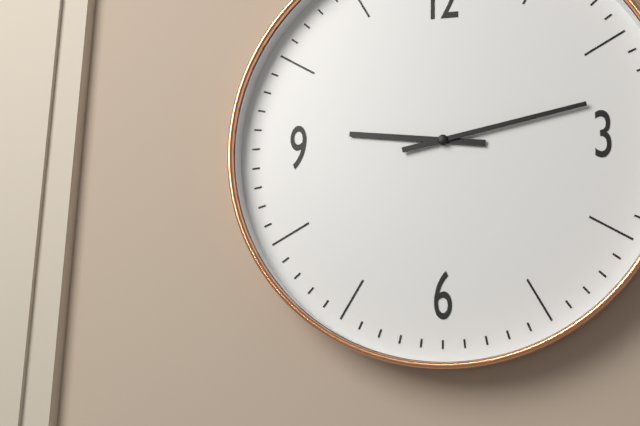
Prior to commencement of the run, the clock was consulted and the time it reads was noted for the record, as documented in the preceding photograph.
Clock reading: 9:13
